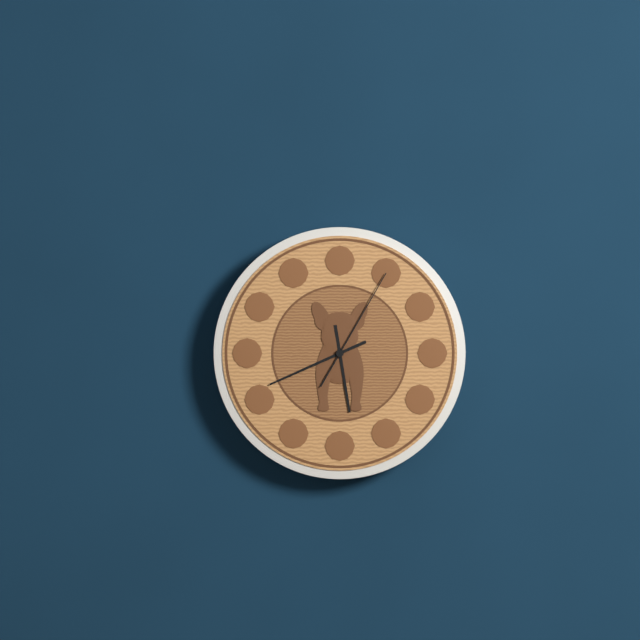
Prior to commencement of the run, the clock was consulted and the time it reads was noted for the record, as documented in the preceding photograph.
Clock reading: 5:41:05
